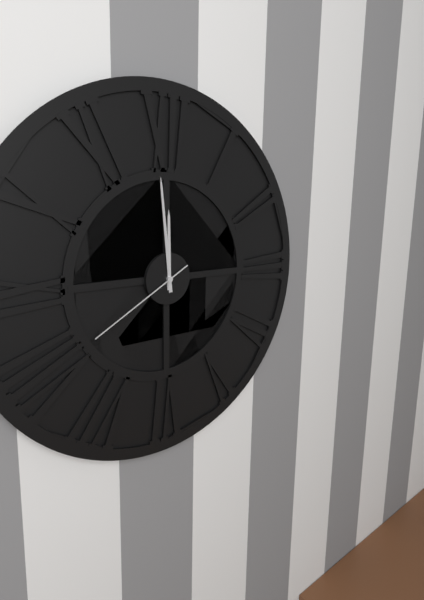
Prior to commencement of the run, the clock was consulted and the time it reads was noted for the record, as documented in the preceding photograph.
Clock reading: 11:59:40
